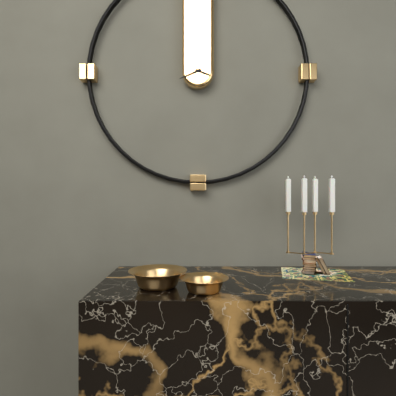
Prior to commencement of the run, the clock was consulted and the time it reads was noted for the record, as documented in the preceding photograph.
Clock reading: 3:41
